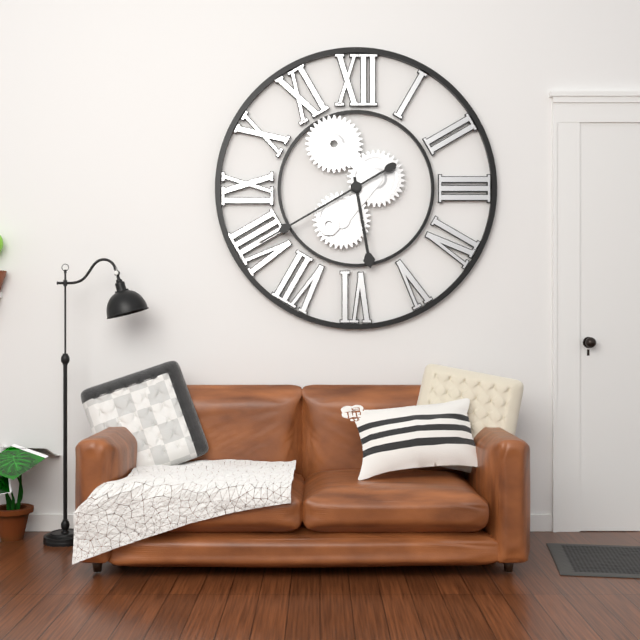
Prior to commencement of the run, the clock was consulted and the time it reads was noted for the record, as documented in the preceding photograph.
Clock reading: 5:40
